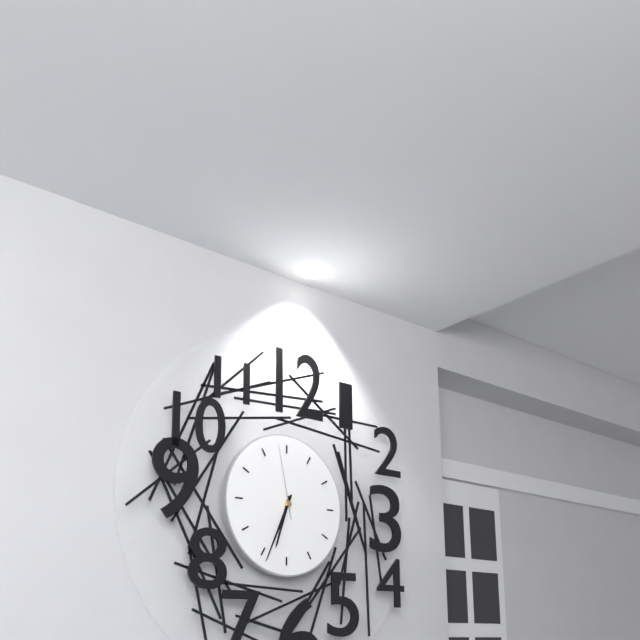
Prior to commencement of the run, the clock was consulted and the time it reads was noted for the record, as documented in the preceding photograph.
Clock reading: 6:34:58
